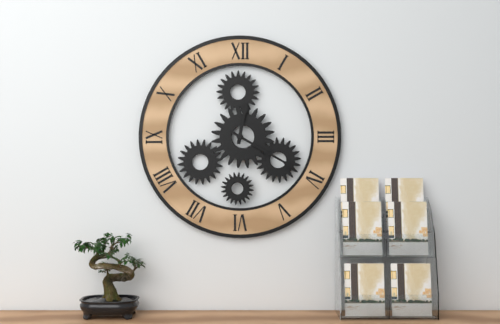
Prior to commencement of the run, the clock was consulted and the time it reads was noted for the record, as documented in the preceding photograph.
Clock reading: 12:20
